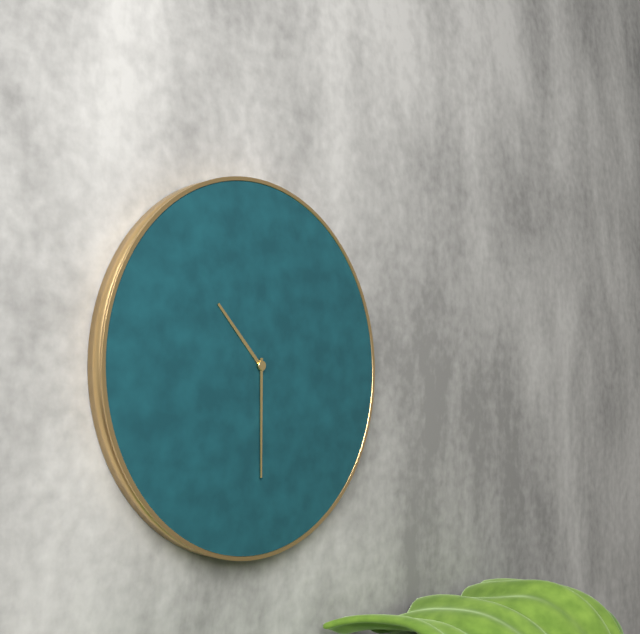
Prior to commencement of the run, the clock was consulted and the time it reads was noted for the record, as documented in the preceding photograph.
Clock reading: 10:30
